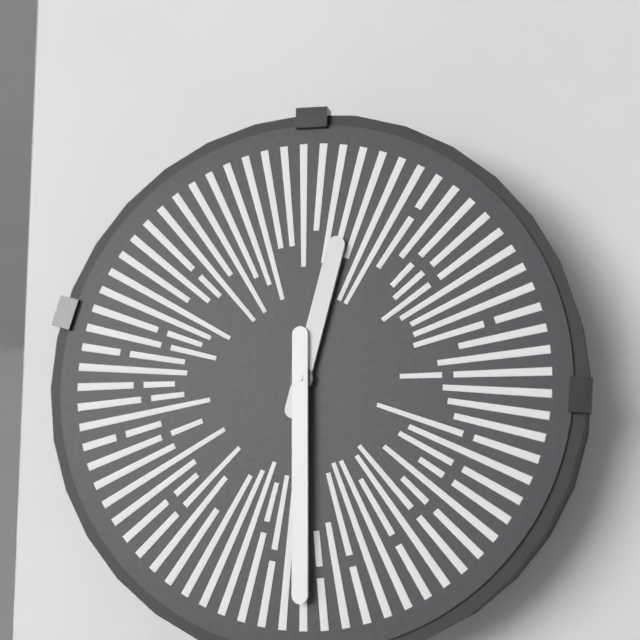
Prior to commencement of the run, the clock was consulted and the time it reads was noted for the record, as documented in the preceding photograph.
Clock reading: 12:30
